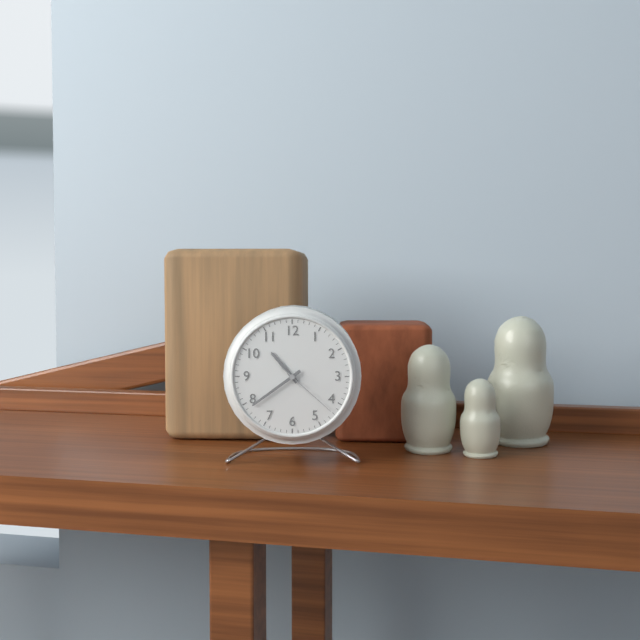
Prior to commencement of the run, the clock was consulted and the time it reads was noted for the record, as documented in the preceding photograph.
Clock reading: 10:39:22
